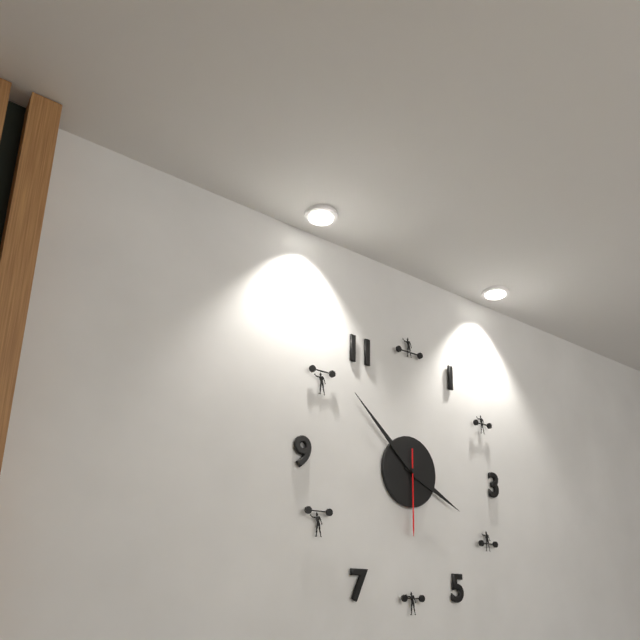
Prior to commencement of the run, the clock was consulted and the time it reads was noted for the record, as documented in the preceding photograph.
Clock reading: 3:52:30
